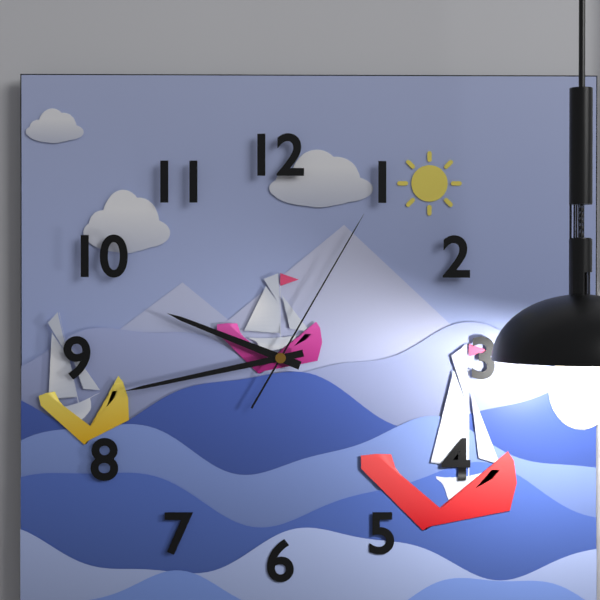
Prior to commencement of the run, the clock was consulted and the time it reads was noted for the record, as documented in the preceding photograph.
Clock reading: 9:43:05
